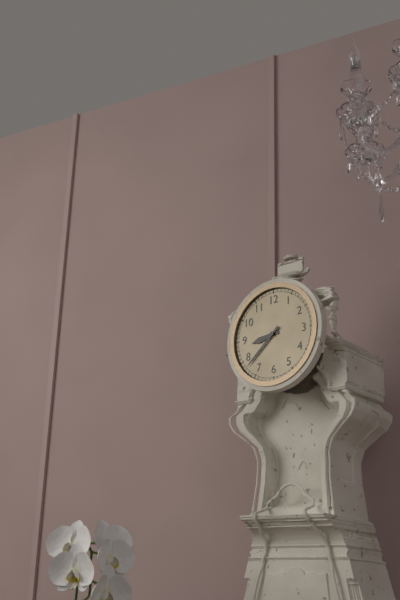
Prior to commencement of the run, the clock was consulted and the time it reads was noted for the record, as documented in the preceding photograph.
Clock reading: 8:38
